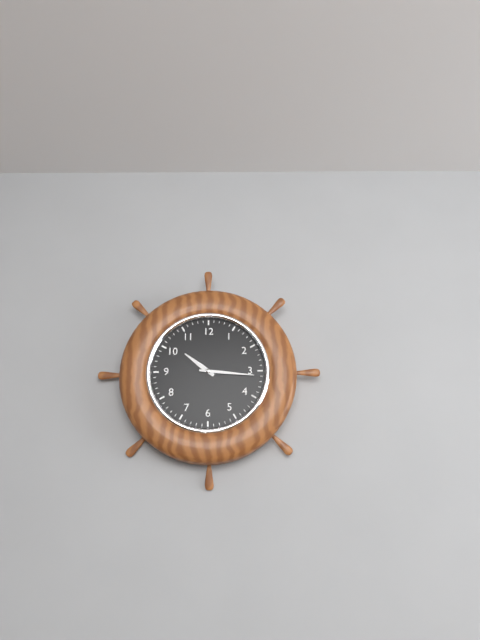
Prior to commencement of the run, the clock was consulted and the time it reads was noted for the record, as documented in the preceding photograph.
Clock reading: 10:16
